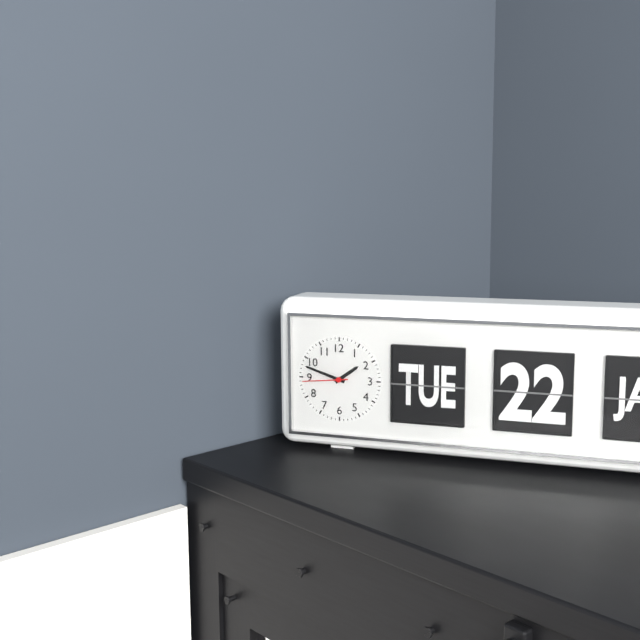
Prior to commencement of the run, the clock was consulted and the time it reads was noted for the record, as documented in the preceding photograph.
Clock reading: 1:48:44
